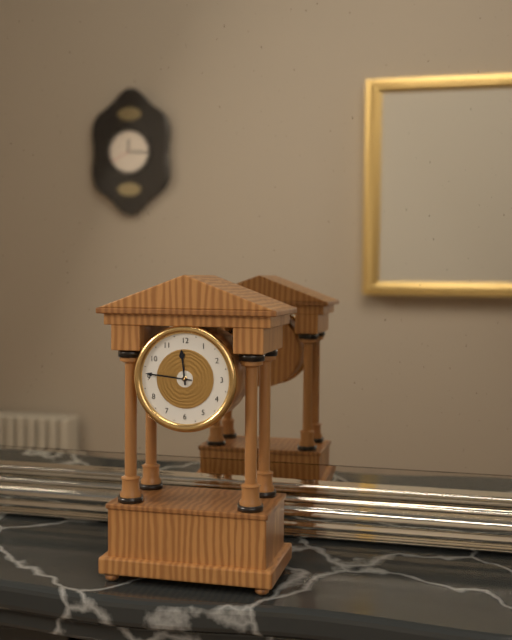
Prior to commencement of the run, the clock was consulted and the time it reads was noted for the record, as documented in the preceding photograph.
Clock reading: 11:46
